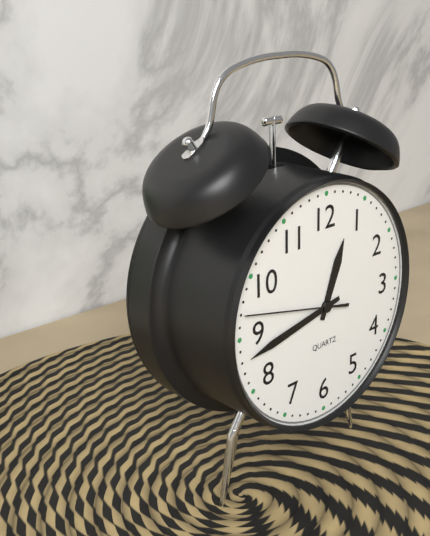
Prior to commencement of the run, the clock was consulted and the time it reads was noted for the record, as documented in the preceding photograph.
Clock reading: 12:43:47
